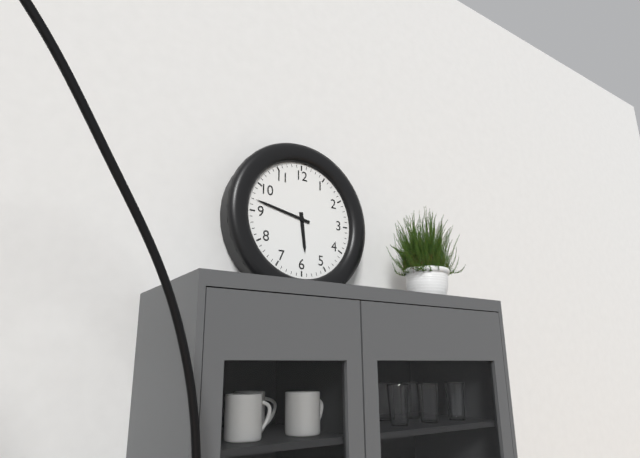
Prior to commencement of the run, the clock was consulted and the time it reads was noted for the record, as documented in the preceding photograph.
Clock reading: 5:47
